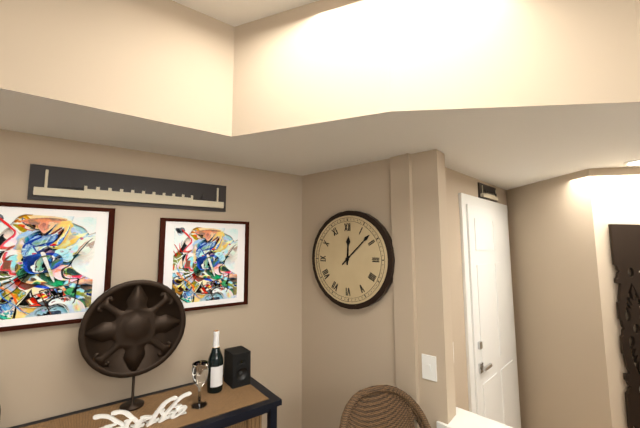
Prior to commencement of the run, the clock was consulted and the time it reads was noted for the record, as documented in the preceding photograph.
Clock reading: 12:08
